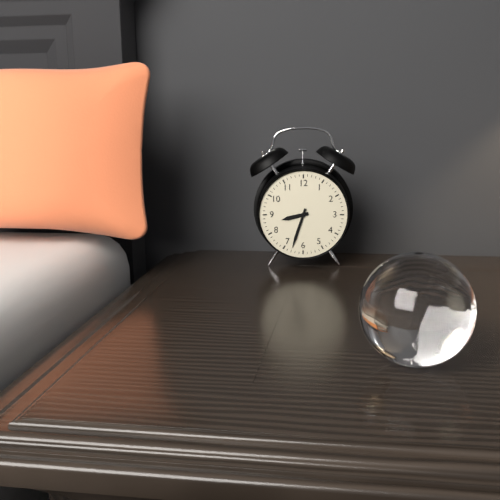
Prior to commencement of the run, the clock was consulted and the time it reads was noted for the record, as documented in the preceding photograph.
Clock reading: 8:33
